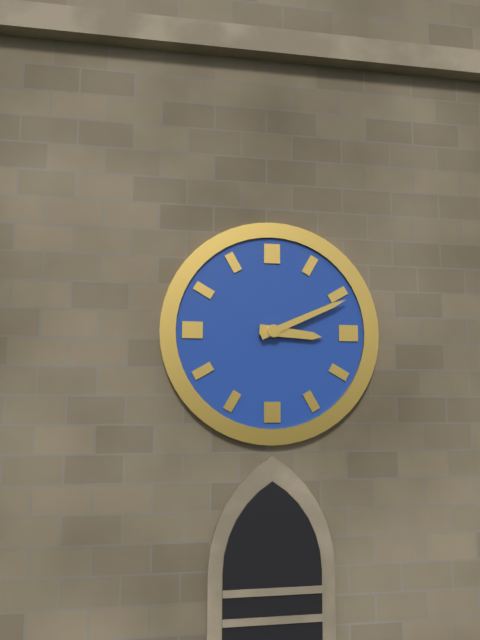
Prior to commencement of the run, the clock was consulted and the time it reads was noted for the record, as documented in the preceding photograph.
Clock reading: 3:11
